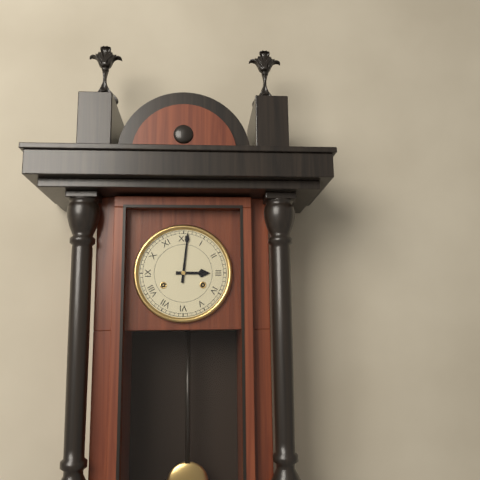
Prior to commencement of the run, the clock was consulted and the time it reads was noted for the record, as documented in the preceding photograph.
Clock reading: 3:01
